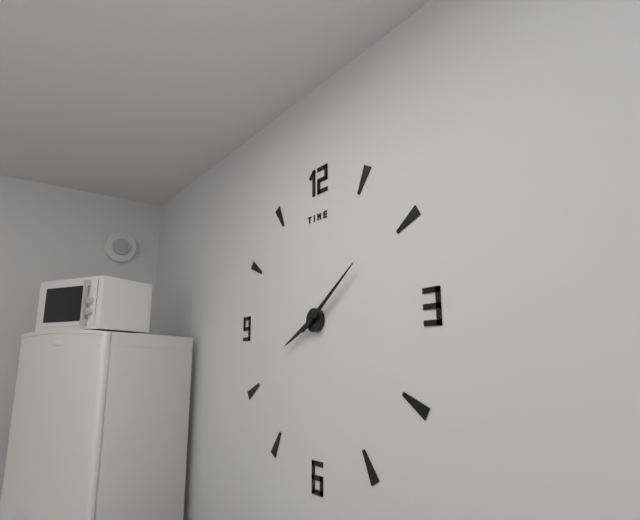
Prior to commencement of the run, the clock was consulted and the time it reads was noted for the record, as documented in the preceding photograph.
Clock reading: 8:09
